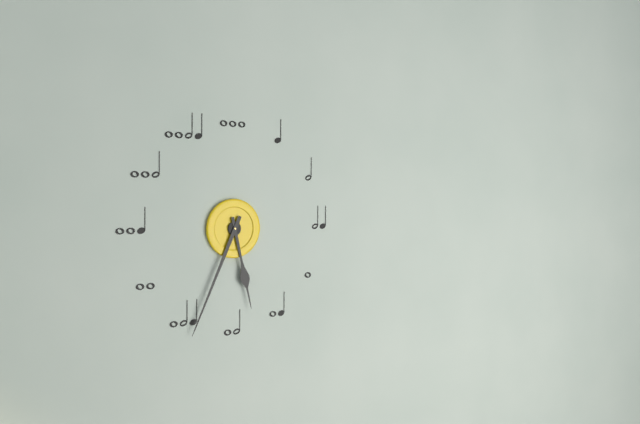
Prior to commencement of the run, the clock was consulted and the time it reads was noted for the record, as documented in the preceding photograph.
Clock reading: 5:34
